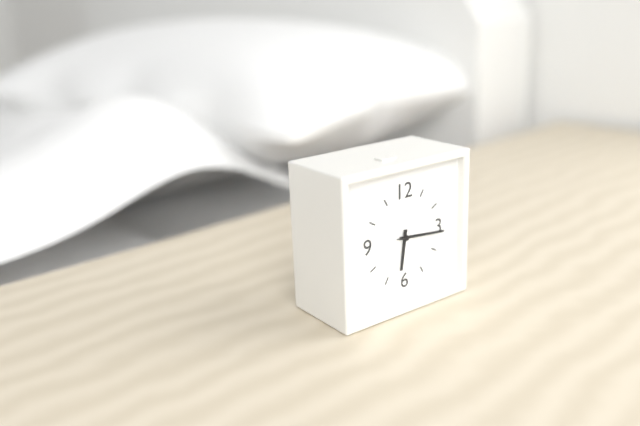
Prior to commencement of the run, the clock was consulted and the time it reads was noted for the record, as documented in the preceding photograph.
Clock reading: 6:16
